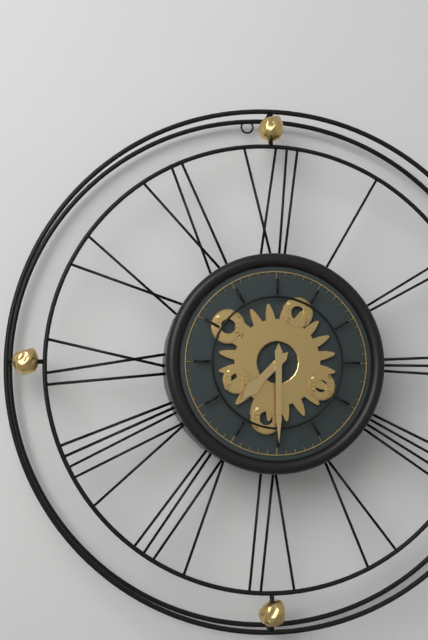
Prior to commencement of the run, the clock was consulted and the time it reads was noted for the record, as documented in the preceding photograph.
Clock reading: 7:30
